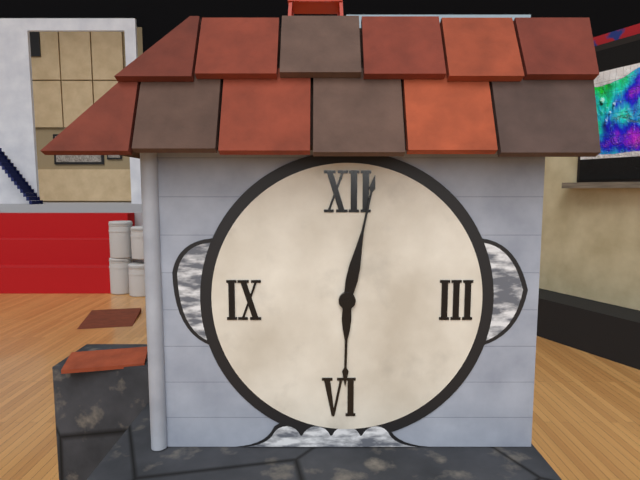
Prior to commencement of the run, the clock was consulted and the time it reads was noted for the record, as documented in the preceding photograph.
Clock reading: 6:02
